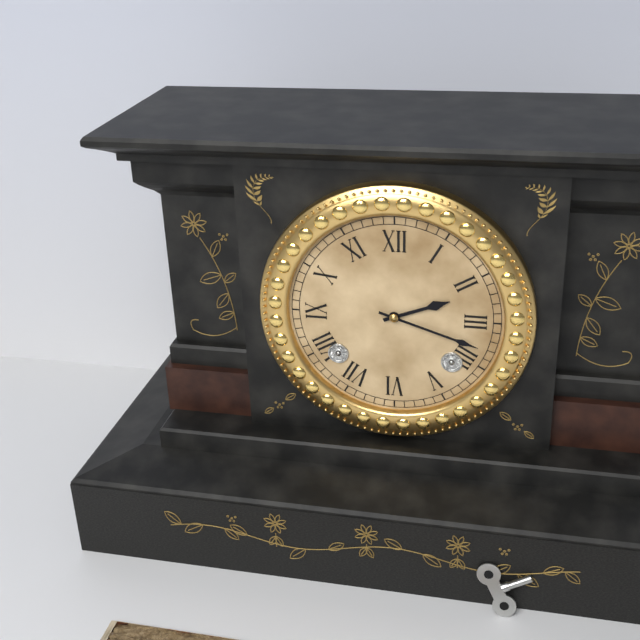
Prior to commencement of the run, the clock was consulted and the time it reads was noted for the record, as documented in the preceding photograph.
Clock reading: 2:18
